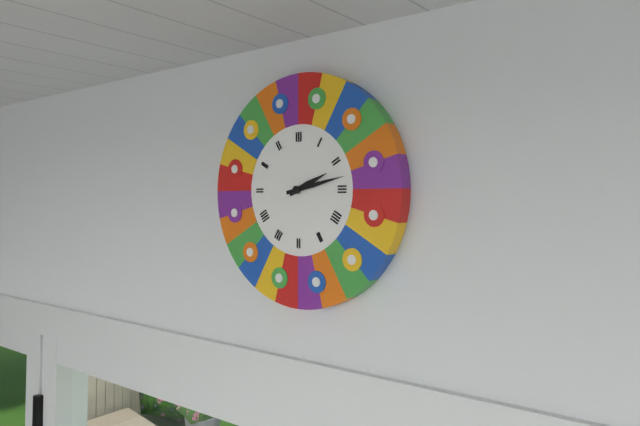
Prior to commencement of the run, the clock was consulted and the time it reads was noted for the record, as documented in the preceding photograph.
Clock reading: 2:13
